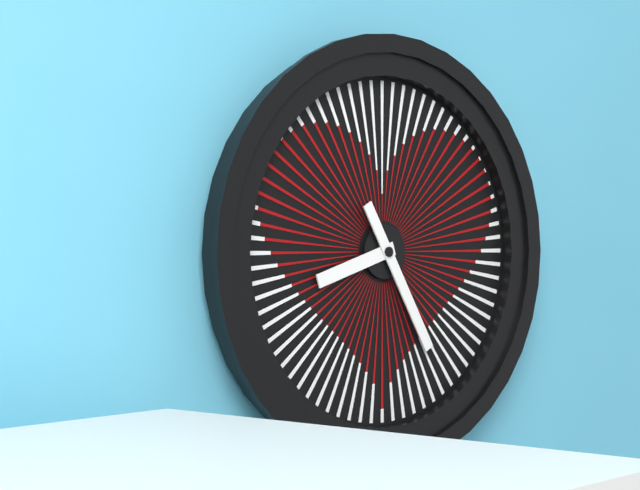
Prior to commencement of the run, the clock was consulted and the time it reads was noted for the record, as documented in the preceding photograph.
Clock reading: 8:25
